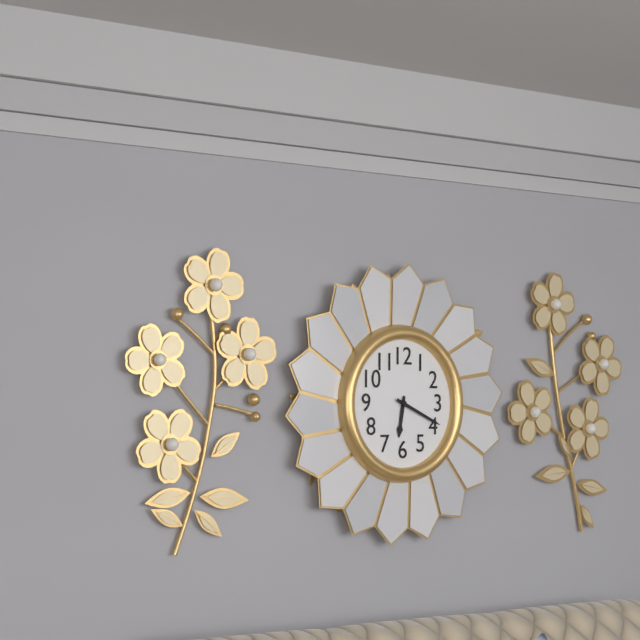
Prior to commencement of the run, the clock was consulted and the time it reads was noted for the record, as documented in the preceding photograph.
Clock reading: 6:19
